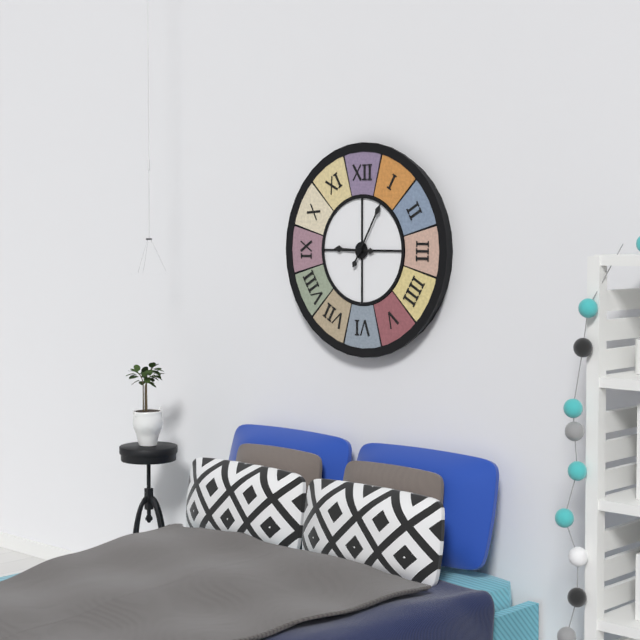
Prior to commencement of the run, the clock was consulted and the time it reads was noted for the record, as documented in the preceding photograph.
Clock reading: 9:05
